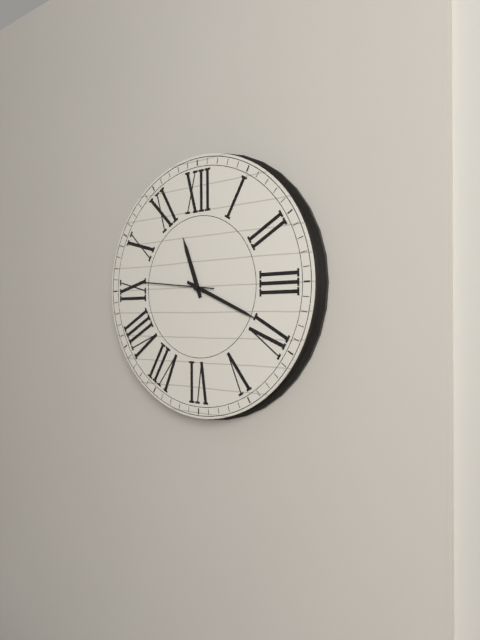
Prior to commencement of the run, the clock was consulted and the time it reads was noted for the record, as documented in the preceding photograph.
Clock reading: 11:19:46
